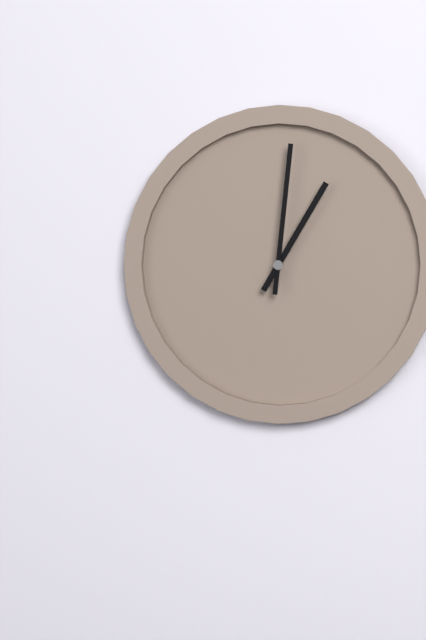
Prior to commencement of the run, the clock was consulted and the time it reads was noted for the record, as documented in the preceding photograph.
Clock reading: 1:01
